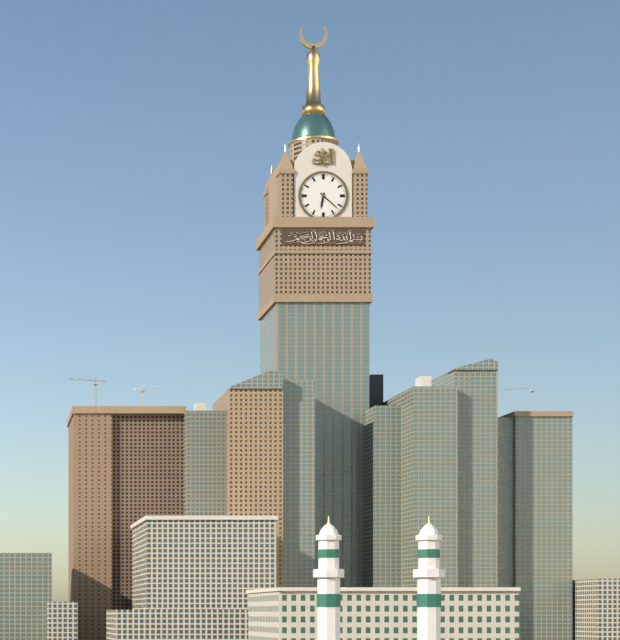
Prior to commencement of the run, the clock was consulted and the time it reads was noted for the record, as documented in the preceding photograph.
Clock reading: 6:22
